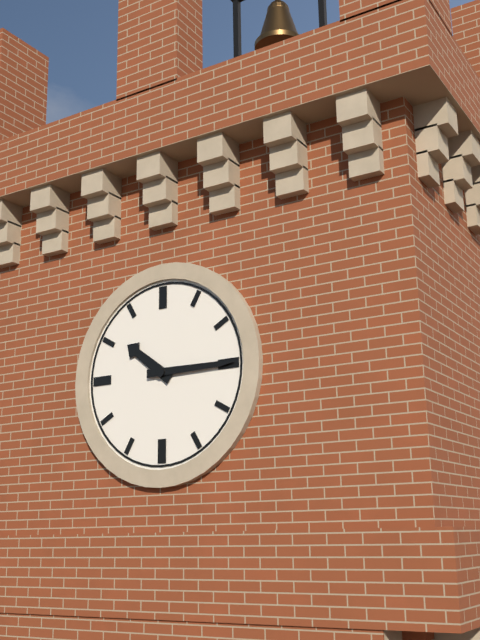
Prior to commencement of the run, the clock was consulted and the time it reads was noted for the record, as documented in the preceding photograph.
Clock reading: 10:15
